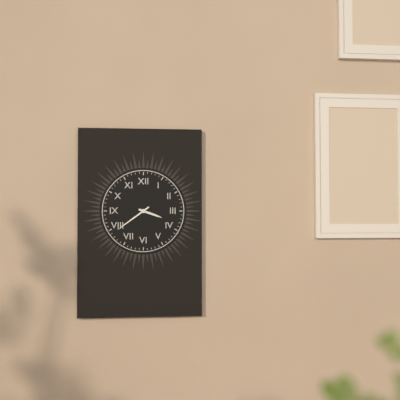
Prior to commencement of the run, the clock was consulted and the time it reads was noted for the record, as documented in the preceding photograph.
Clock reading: 3:39
